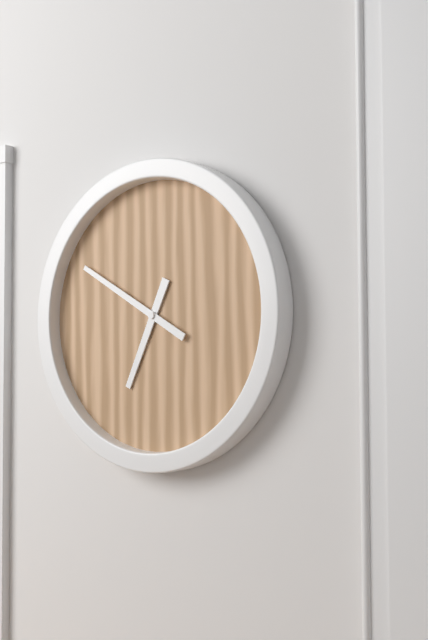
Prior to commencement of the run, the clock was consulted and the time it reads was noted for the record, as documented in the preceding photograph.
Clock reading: 6:50
